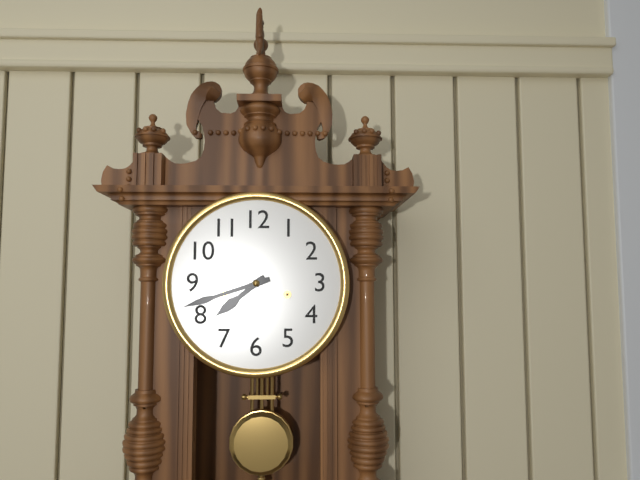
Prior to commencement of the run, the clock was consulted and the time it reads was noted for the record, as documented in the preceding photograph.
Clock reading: 7:42
